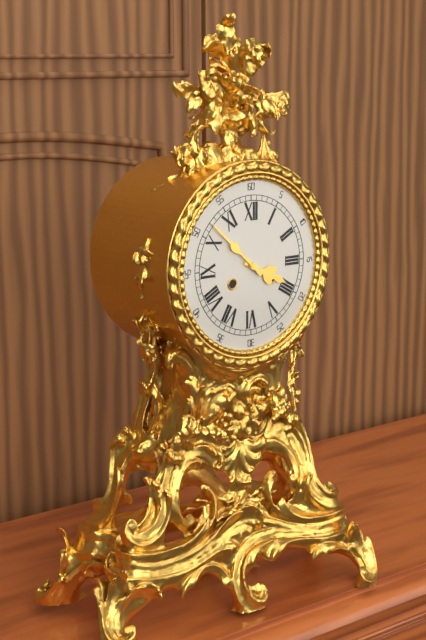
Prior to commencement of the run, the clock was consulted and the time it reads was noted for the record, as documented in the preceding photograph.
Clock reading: 3:52
